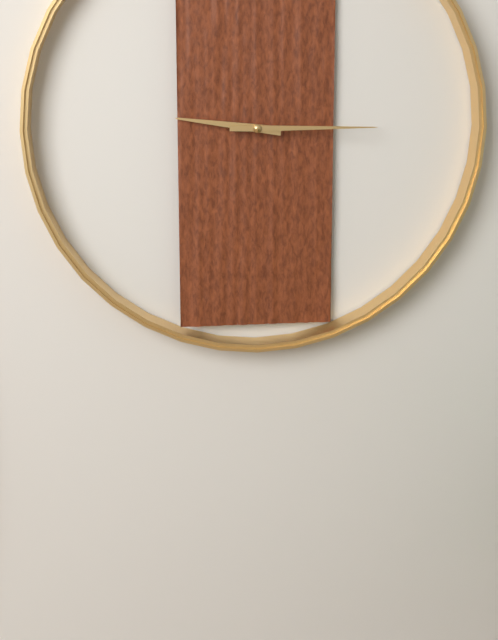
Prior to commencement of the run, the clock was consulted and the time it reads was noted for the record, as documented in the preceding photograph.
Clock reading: 9:15
